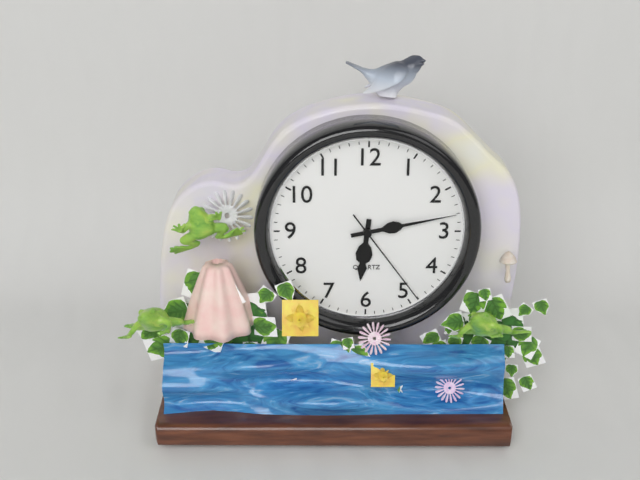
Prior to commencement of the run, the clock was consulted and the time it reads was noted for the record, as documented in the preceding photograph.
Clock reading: 6:13:24
